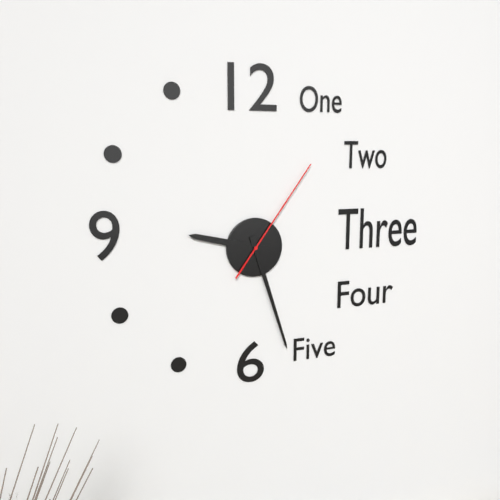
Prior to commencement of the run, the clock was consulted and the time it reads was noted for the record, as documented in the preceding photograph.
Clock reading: 9:27:06
